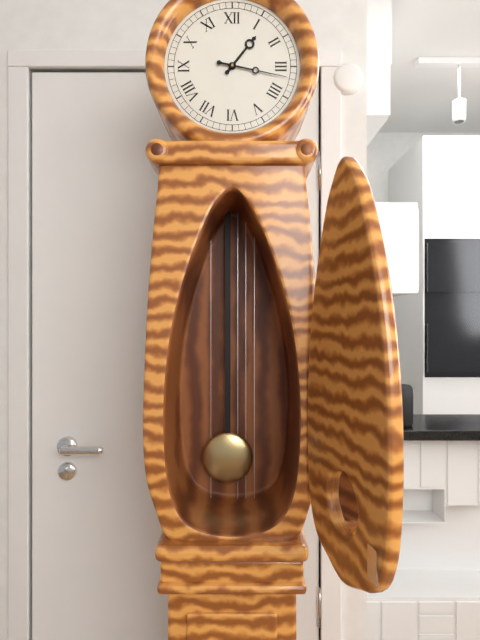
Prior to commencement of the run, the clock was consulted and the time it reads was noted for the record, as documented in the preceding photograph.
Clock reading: 1:17
